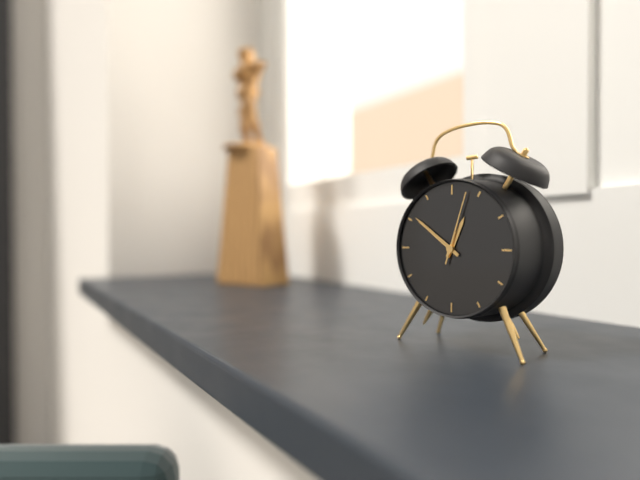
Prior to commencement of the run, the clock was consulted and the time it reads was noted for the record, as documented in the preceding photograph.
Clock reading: 12:51:03
